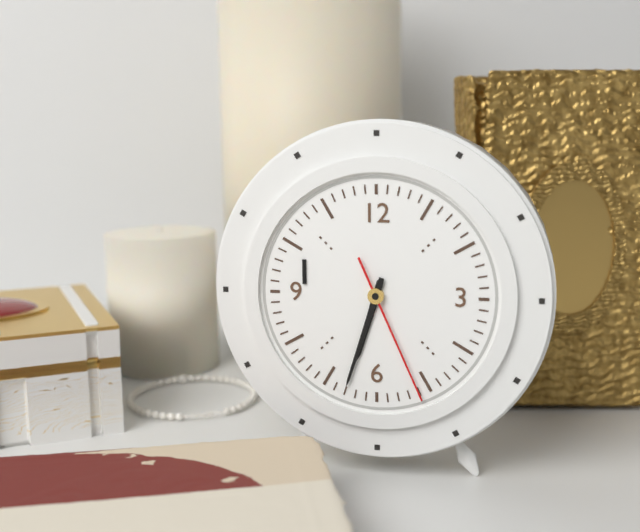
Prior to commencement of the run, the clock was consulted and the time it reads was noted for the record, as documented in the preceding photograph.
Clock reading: 6:33:26
